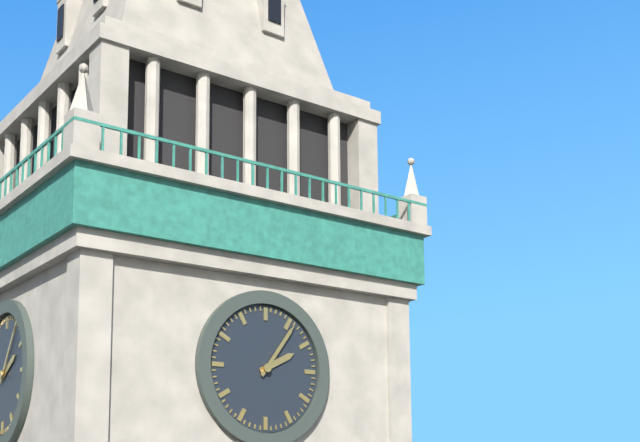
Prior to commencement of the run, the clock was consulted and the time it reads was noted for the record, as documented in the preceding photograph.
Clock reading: 2:06
